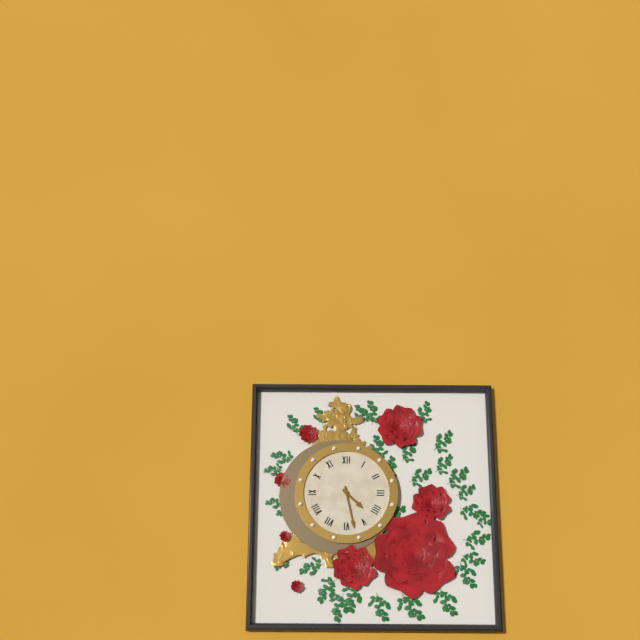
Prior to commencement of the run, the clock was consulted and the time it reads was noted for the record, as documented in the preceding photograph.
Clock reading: 4:28
